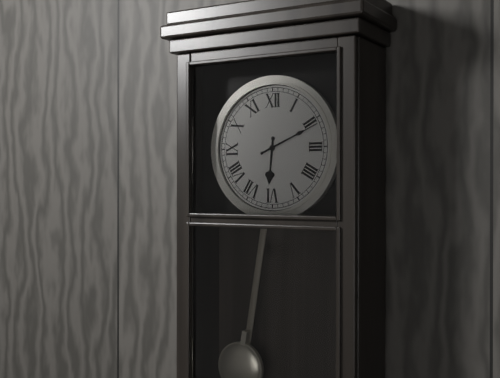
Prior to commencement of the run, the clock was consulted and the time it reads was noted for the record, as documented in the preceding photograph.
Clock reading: 6:11
